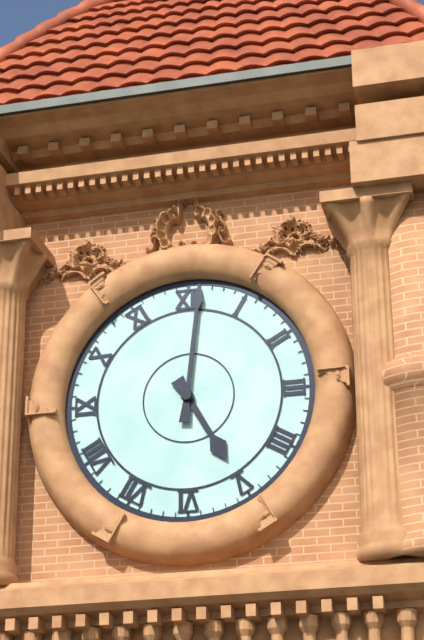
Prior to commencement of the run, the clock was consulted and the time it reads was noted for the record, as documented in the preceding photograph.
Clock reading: 5:01
